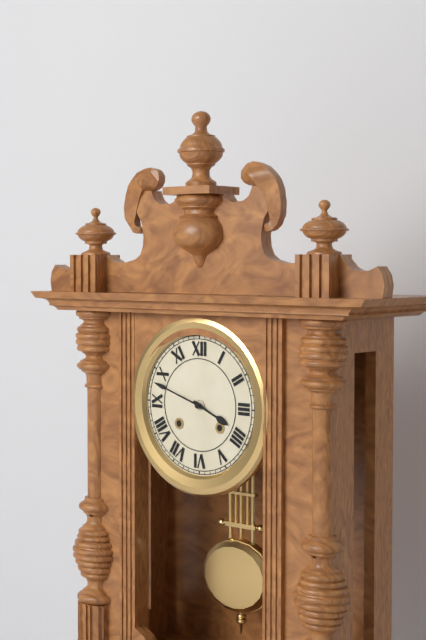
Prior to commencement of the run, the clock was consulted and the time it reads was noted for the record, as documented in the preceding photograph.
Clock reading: 3:48
